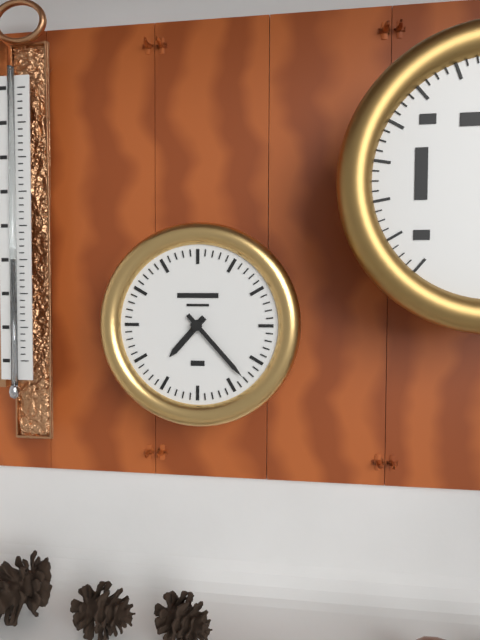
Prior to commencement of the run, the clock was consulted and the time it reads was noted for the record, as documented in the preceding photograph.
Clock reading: 7:23
